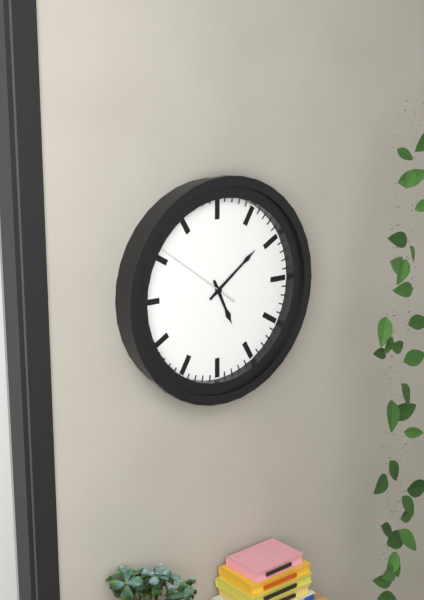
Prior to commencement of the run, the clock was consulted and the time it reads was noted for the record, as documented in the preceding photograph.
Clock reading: 5:09:51
